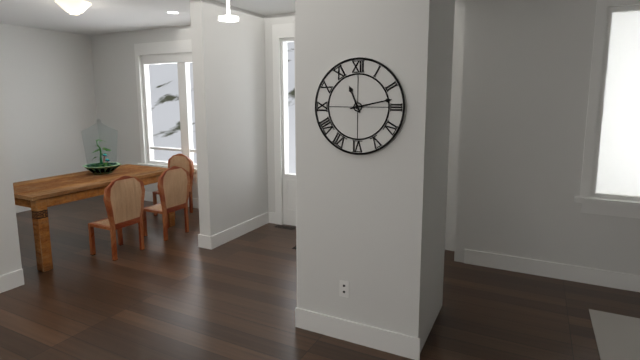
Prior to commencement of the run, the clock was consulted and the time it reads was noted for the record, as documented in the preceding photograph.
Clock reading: 11:13
